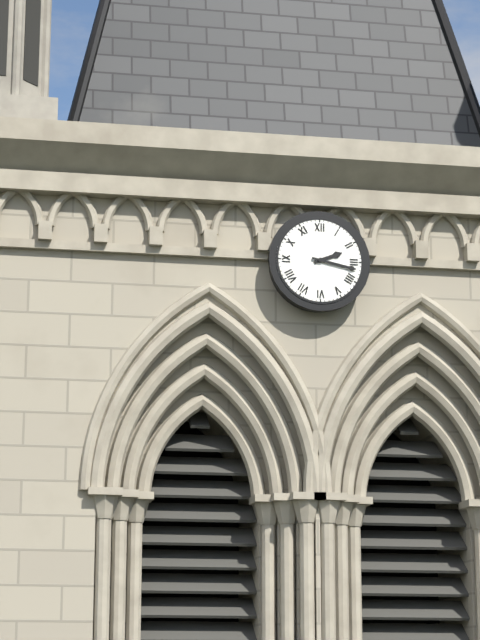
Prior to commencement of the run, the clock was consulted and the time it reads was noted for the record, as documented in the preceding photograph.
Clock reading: 2:17
